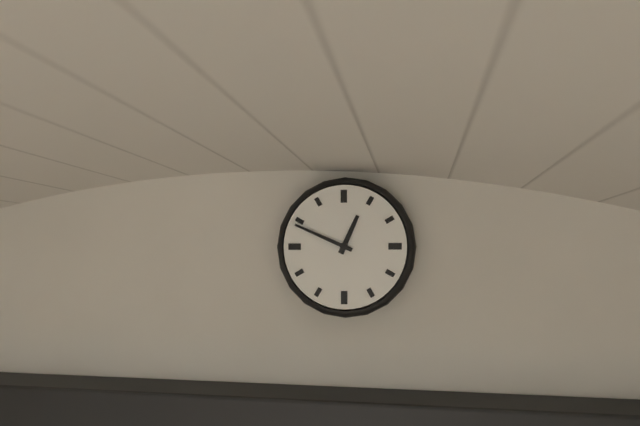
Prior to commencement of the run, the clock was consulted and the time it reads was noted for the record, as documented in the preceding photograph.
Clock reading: 12:49
